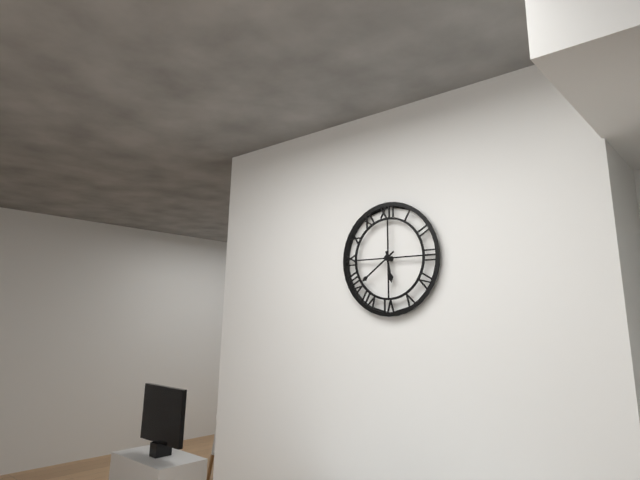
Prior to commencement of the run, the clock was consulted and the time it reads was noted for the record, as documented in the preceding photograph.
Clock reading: 5:39
